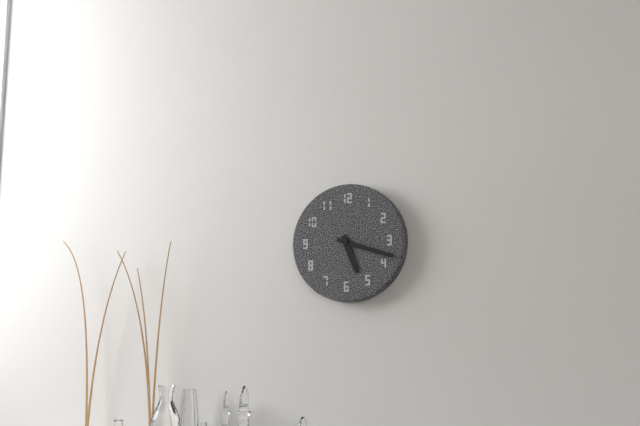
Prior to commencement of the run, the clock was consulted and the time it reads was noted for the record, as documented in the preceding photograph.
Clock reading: 5:18
